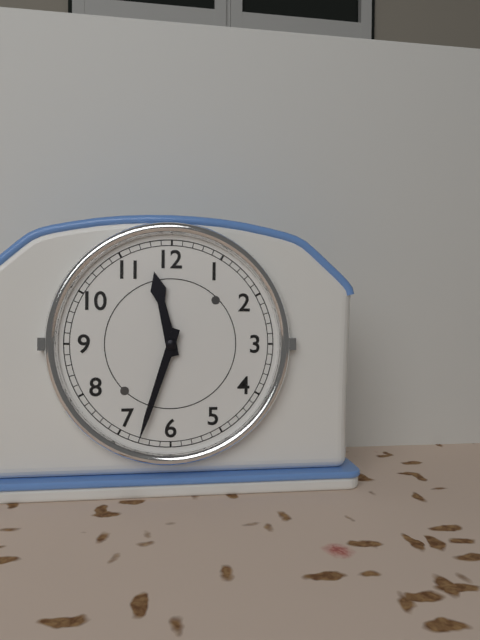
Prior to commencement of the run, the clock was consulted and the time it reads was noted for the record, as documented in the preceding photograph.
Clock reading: 11:33
